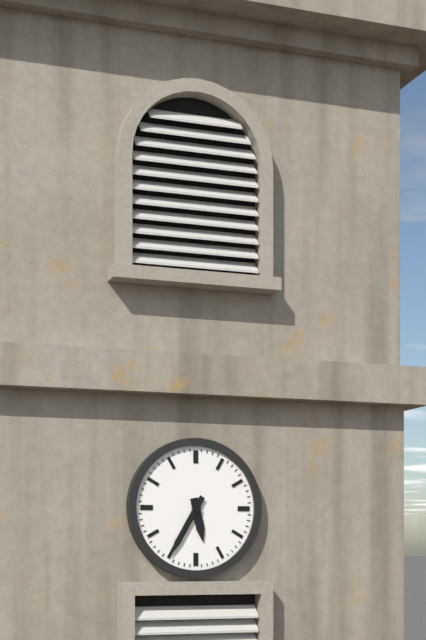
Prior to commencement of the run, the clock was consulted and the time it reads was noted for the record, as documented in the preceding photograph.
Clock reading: 5:35
